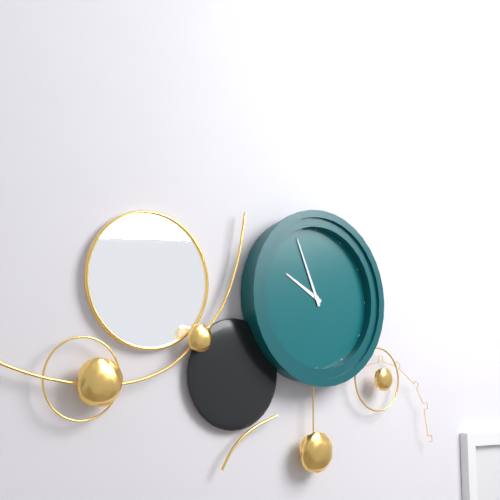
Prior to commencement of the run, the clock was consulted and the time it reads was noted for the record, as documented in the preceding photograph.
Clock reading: 9:56
